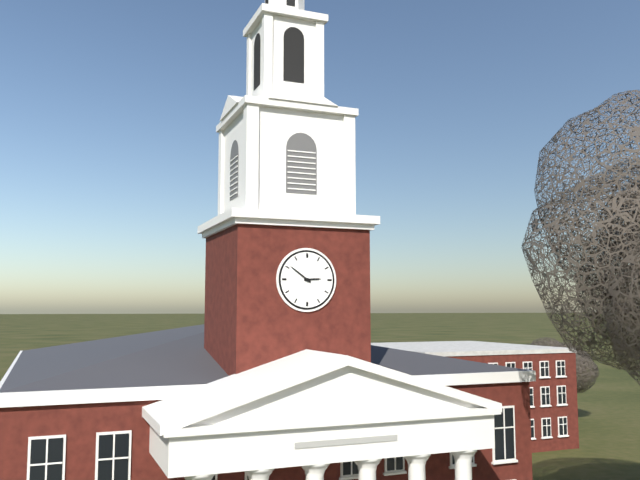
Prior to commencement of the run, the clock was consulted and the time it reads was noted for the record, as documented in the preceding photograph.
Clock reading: 2:51
